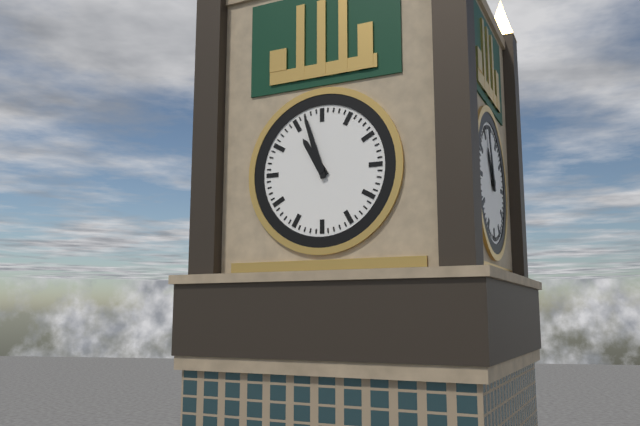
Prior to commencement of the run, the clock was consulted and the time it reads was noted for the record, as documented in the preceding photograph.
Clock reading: 10:57
